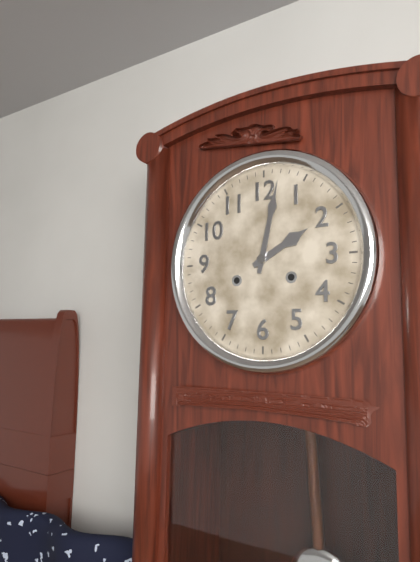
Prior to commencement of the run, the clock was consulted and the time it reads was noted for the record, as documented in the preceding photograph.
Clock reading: 2:02
